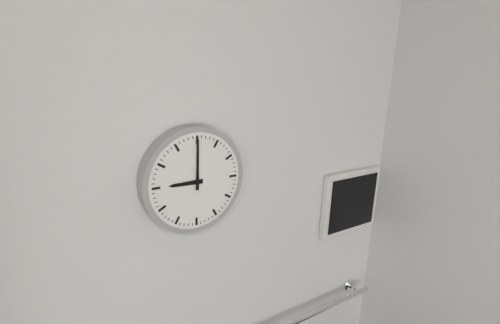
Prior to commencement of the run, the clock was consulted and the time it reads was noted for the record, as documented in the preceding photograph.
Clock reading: 9:00
